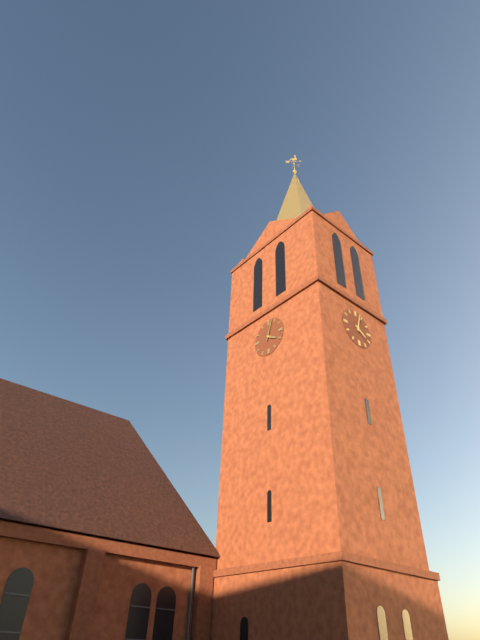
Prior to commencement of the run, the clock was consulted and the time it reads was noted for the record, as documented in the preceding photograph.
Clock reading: 4:03
